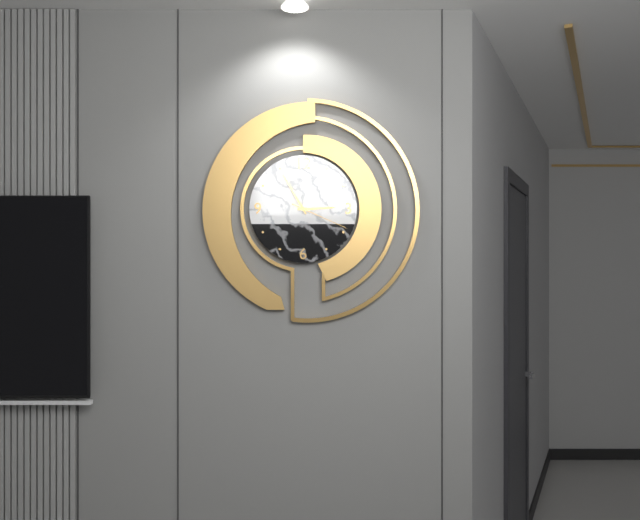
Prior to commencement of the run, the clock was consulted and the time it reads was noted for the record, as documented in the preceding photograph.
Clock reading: 2:55:19
